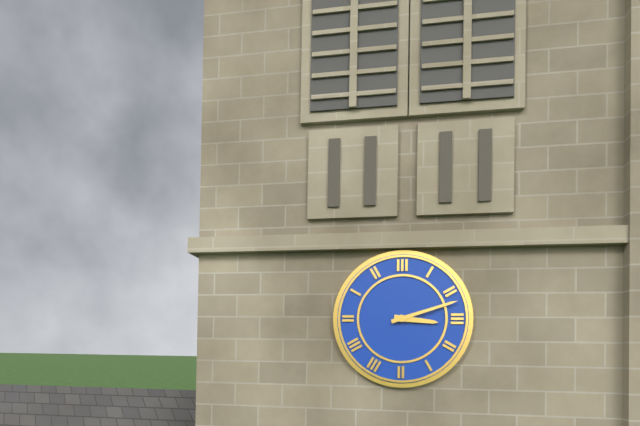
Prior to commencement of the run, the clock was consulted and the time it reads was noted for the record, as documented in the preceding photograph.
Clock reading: 3:12
